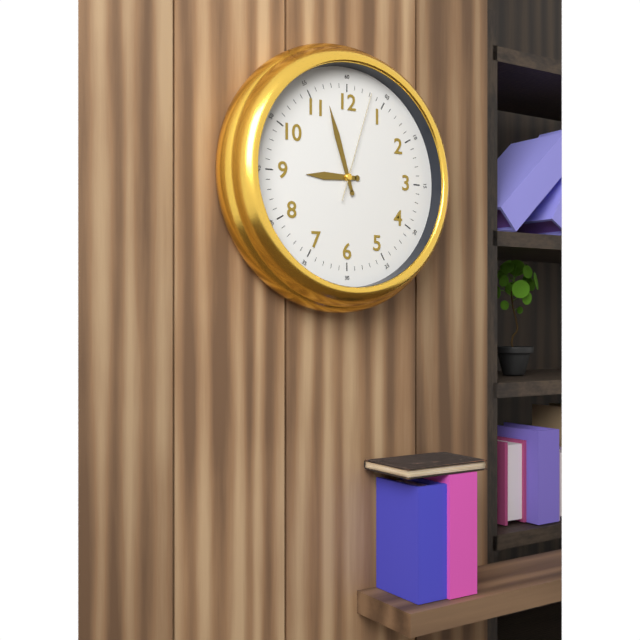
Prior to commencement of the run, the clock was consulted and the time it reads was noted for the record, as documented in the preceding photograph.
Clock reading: 8:57:03
